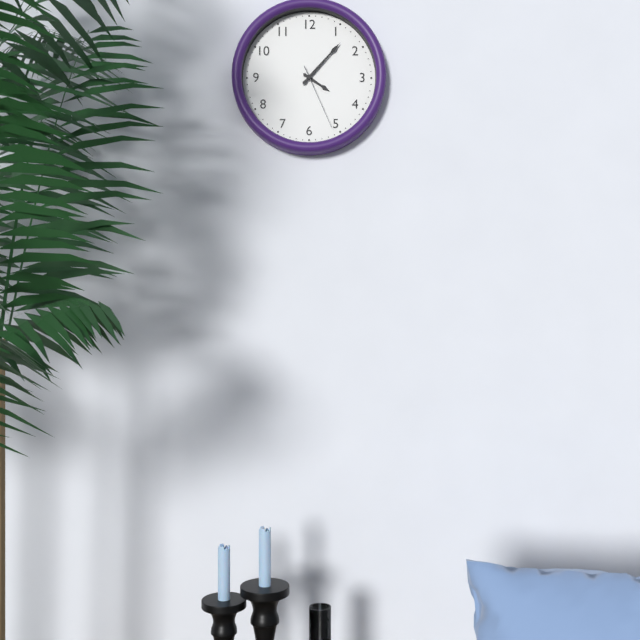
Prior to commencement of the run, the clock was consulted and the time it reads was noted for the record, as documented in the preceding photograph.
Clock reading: 4:07:26
